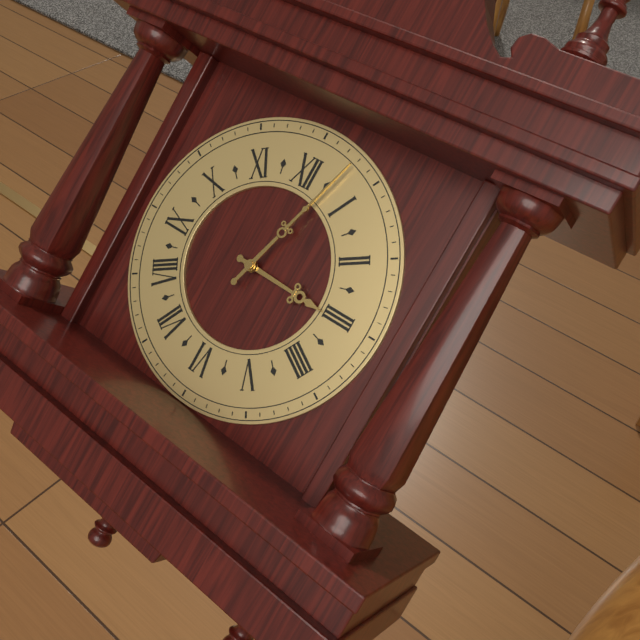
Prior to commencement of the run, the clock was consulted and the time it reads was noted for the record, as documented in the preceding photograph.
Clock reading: 3:03
